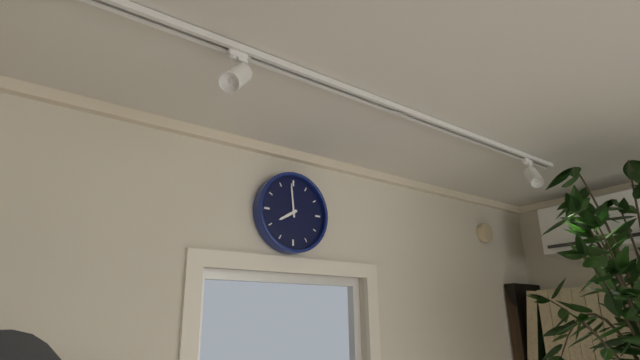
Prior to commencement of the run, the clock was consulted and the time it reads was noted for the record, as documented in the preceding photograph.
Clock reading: 7:59
